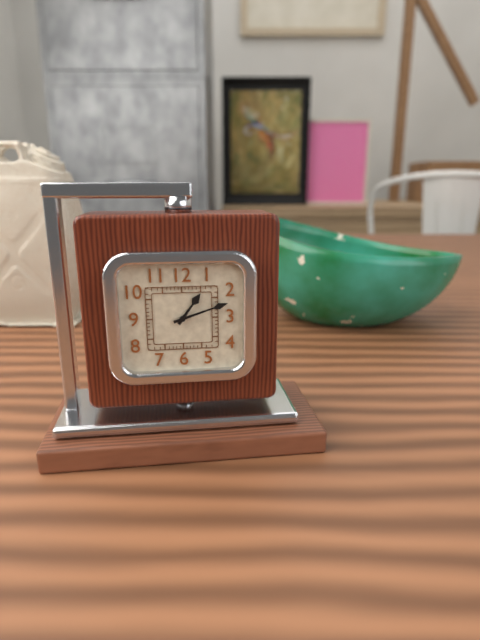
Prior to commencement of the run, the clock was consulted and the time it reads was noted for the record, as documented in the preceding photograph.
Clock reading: 1:12
